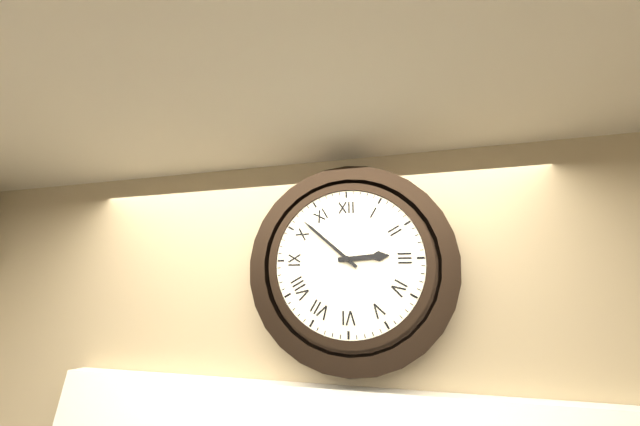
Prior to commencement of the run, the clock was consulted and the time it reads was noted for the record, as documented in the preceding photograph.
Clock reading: 2:52
